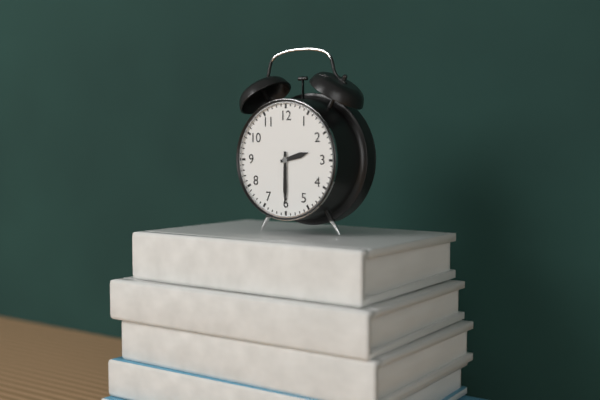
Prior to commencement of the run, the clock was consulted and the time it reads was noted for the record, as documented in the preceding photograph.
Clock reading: 2:30
